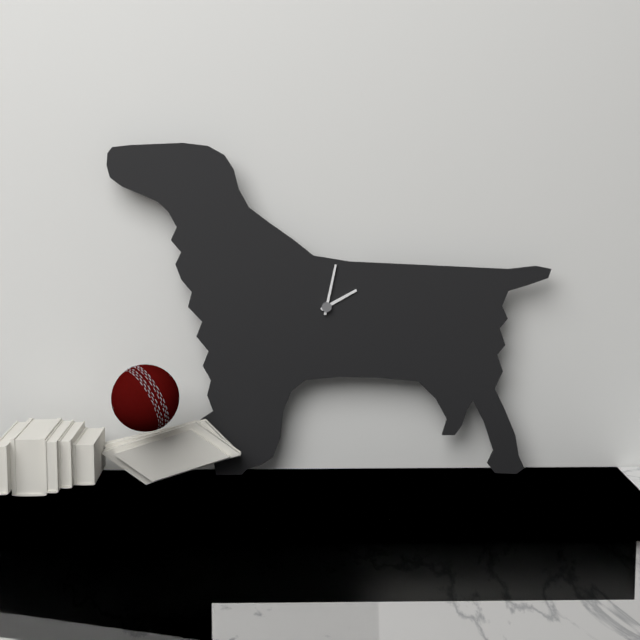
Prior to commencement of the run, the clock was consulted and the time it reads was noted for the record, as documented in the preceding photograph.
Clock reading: 2:02
